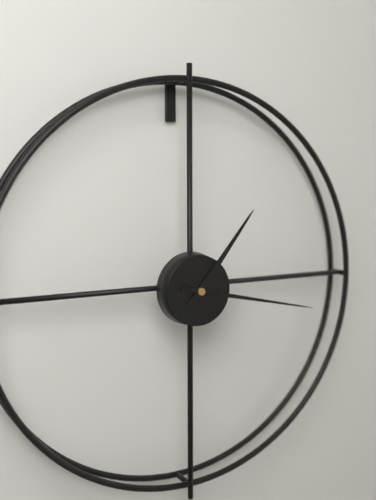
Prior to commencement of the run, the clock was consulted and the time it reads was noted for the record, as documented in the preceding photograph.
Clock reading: 1:17
